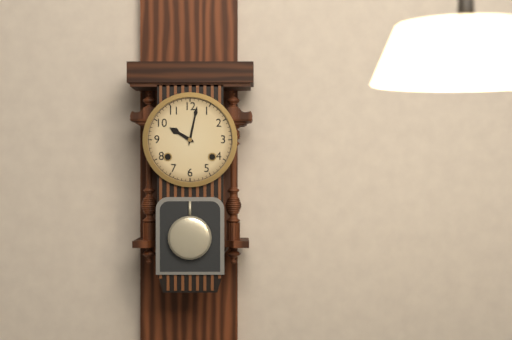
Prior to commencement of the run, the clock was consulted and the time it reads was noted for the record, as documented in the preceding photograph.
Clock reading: 10:02
